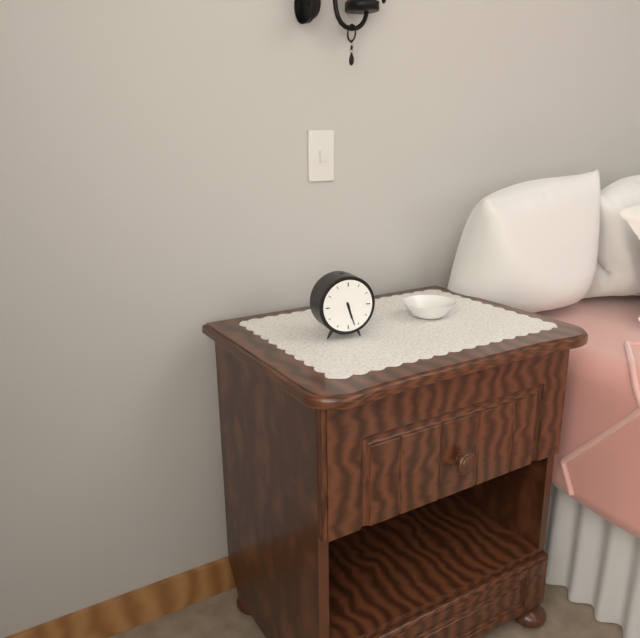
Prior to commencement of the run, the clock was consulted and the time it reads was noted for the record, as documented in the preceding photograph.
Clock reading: 5:27
